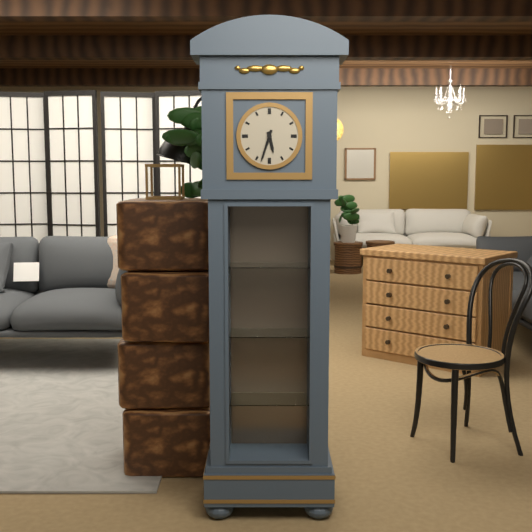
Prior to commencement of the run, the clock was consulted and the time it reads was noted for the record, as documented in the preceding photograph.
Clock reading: 5:33
